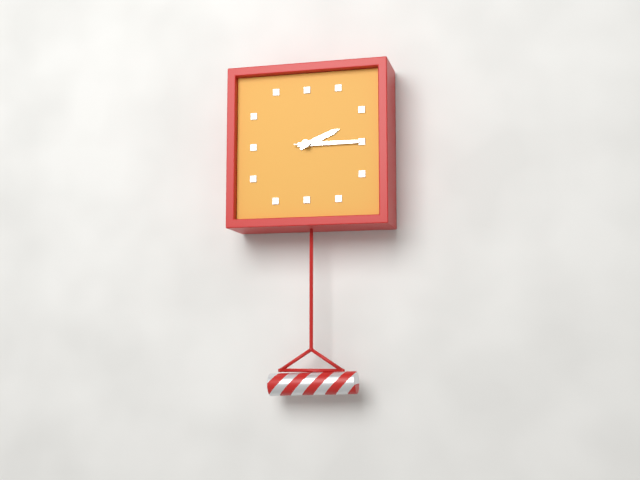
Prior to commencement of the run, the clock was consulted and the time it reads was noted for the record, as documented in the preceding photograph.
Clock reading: 2:15:15
